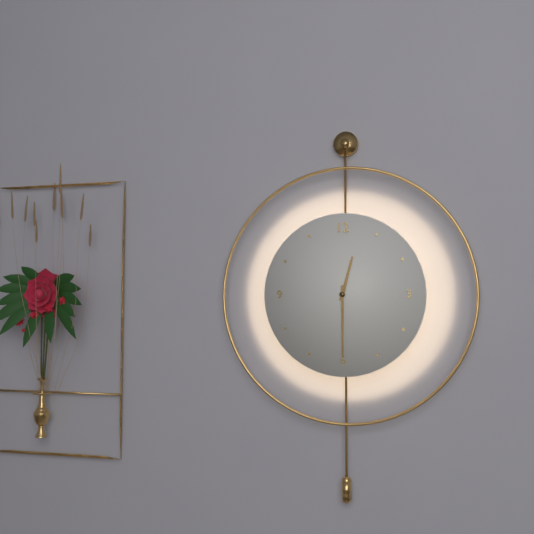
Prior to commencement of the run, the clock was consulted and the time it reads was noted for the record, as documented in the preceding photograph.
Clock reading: 12:30
